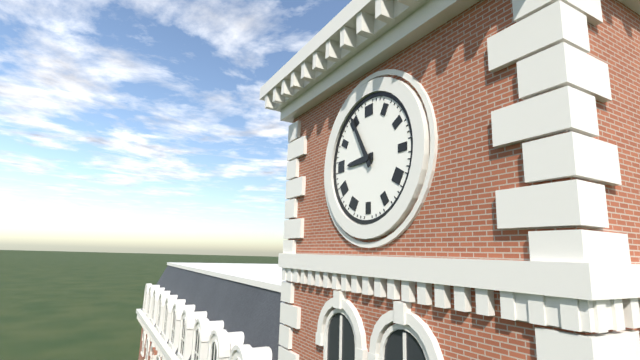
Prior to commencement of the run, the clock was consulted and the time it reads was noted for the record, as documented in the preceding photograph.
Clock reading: 8:55
